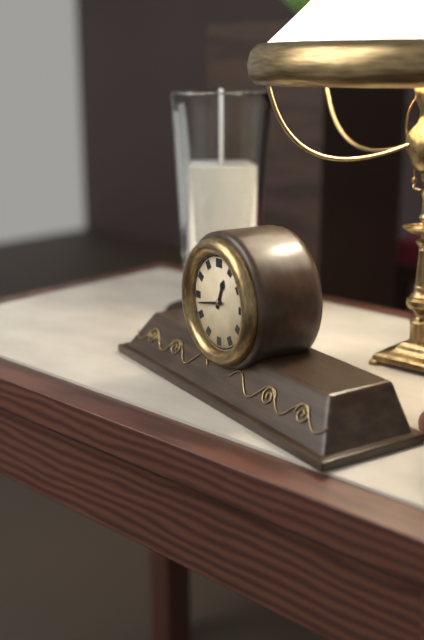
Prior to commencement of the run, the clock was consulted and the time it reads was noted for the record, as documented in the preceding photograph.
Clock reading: 12:43
